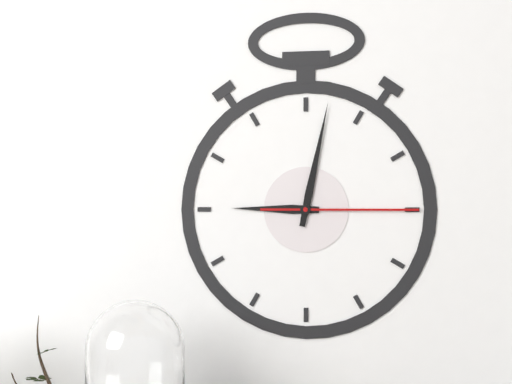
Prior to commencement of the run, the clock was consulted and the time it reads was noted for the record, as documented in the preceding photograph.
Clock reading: 9:02:15
